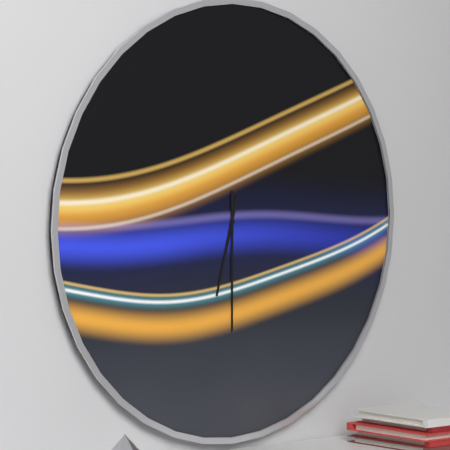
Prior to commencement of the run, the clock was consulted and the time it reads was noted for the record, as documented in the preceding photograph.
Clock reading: 6:30
